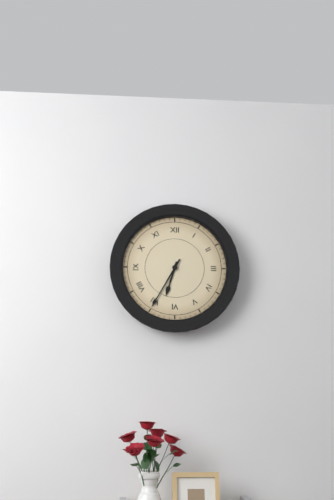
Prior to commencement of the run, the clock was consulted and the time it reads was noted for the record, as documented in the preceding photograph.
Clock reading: 6:35
